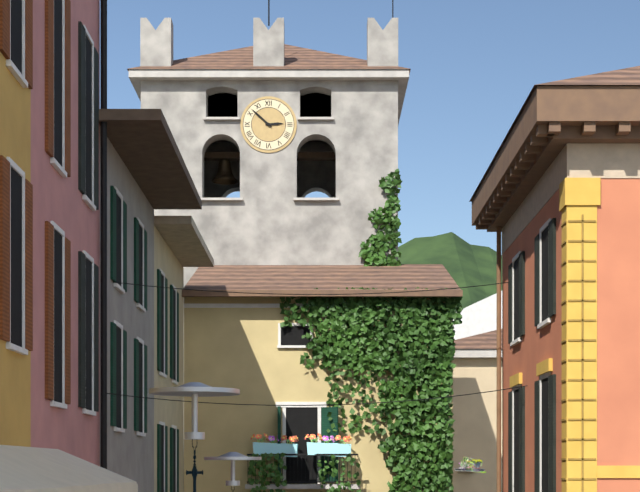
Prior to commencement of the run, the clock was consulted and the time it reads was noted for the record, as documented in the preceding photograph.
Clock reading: 2:52
